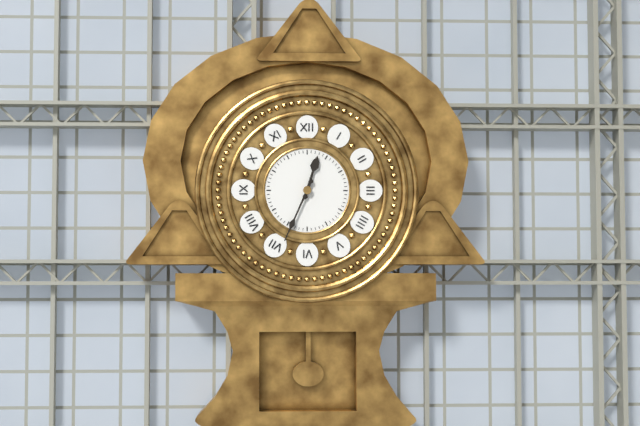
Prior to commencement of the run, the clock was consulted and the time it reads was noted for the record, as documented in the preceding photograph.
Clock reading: 12:34
